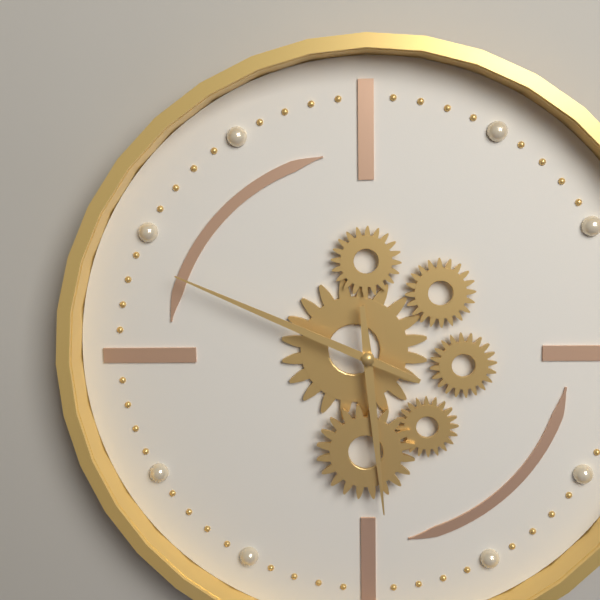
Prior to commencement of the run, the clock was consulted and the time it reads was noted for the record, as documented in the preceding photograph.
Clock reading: 5:49
